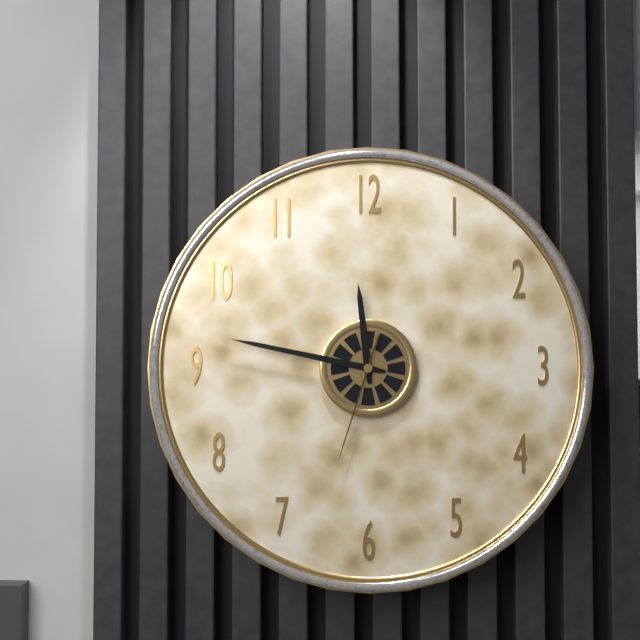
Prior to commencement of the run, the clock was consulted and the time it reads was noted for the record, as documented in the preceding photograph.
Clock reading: 11:47:33
